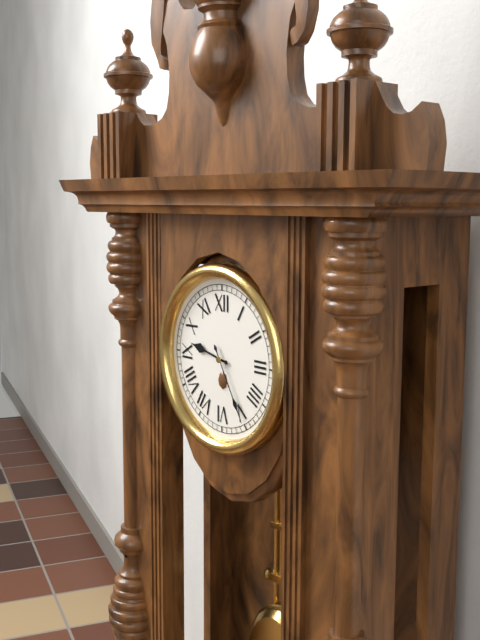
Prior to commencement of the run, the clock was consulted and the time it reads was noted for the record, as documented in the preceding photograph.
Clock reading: 9:25
